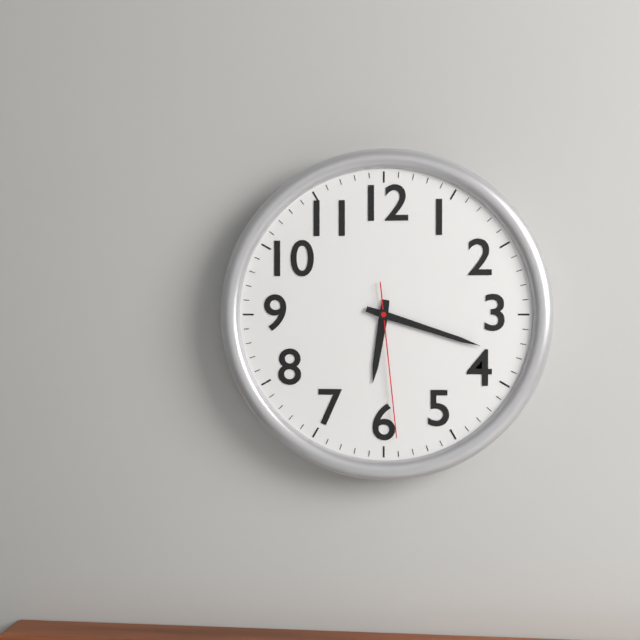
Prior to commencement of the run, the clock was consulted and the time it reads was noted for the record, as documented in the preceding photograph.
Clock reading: 6:18:29
